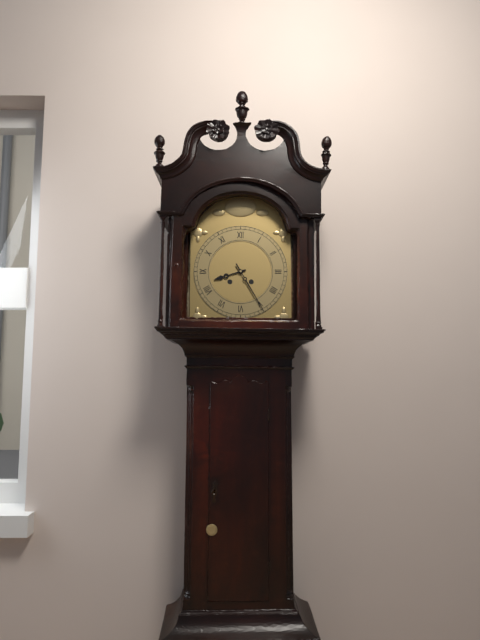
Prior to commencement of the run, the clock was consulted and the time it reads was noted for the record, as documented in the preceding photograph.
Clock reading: 8:25
